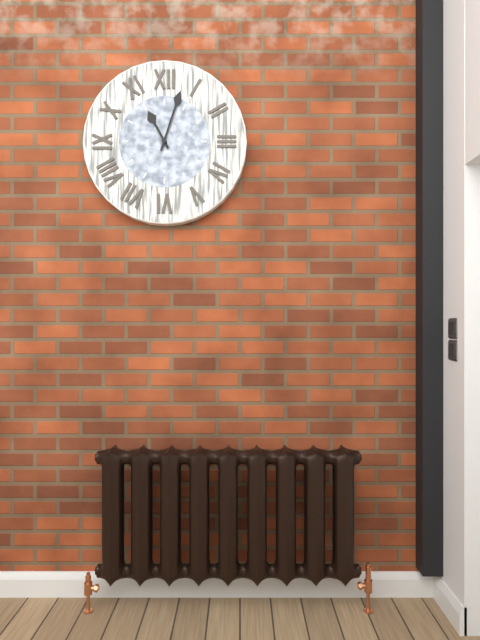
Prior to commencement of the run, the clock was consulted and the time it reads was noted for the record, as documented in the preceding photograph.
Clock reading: 11:03
